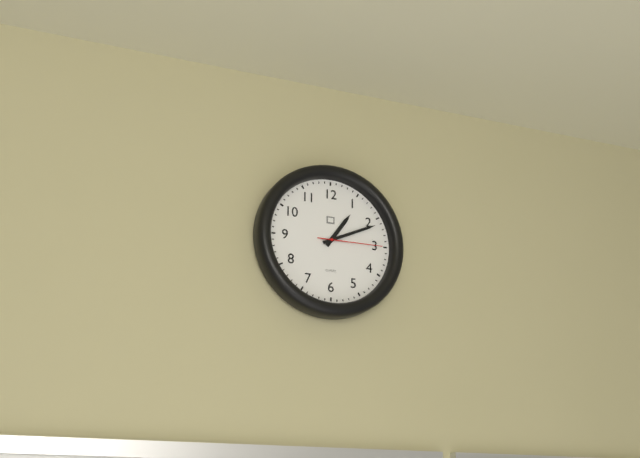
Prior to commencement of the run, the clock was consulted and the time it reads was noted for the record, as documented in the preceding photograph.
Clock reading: 1:11:15
